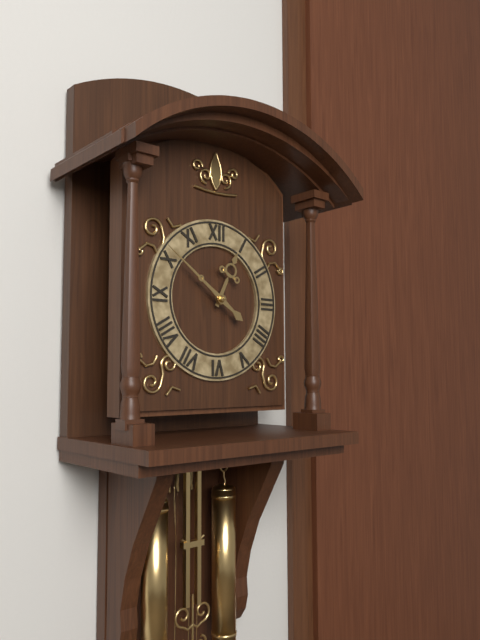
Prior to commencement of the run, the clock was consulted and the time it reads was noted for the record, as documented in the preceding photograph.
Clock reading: 12:51
